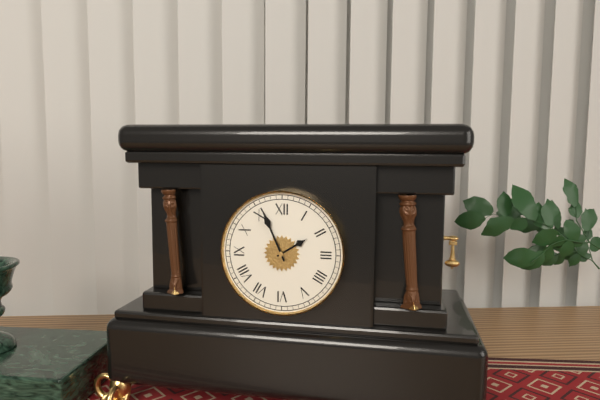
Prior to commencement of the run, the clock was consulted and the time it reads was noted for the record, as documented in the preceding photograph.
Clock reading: 1:56
